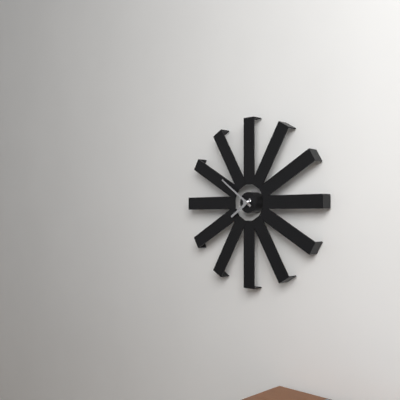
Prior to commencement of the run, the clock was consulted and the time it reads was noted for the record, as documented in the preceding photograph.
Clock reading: 7:51
